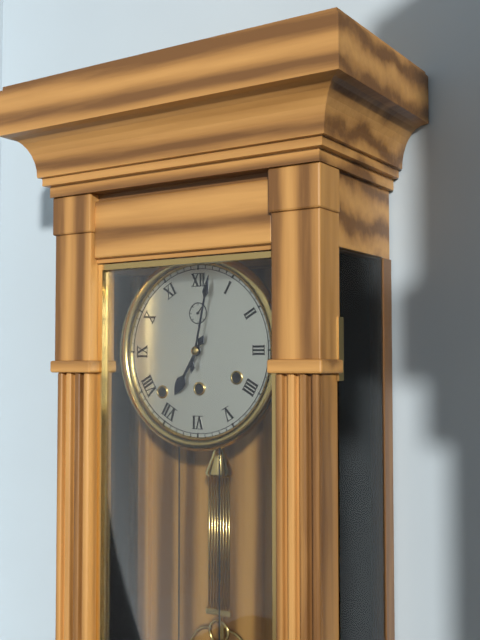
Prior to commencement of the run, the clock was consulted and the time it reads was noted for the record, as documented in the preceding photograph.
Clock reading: 7:02
